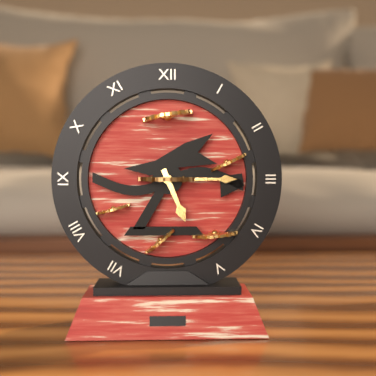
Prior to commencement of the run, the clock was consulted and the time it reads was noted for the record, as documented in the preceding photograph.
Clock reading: 5:15
